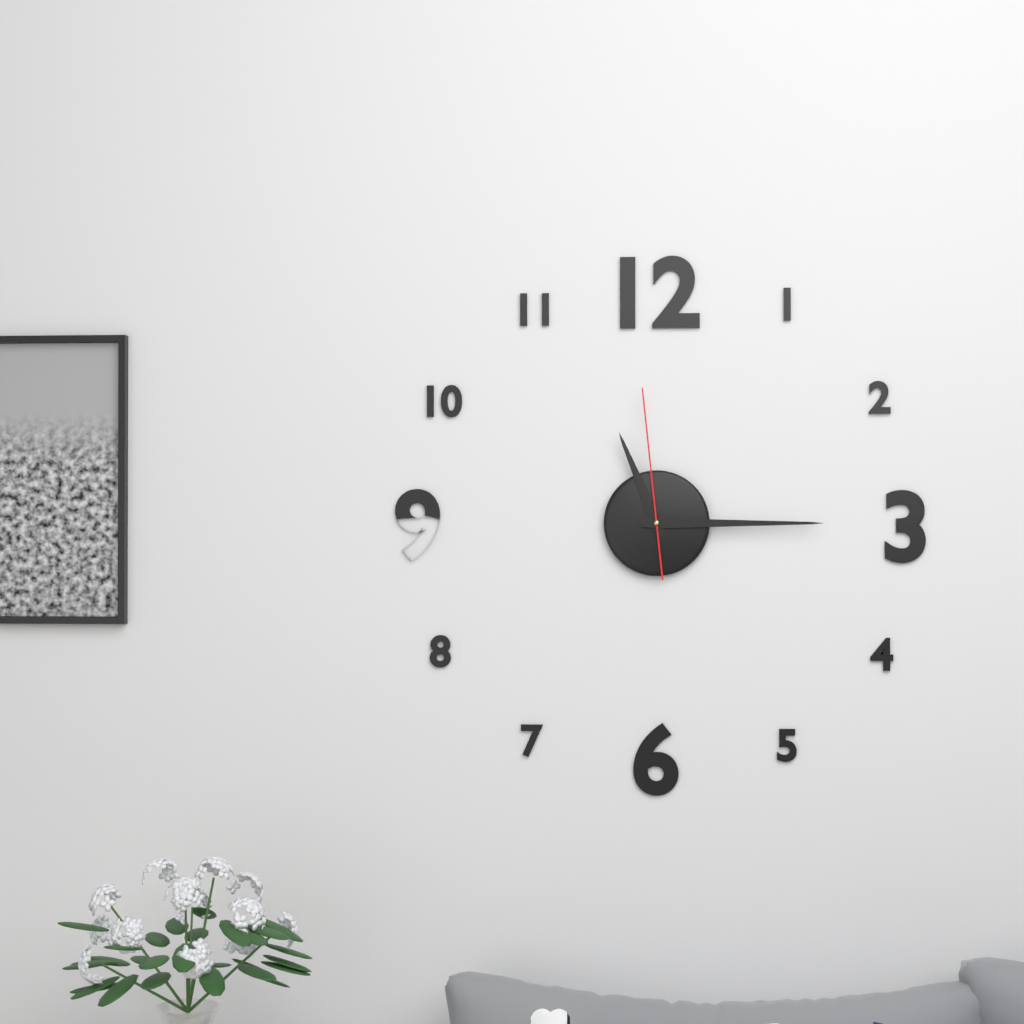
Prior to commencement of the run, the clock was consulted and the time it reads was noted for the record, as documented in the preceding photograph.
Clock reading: 11:15:59
